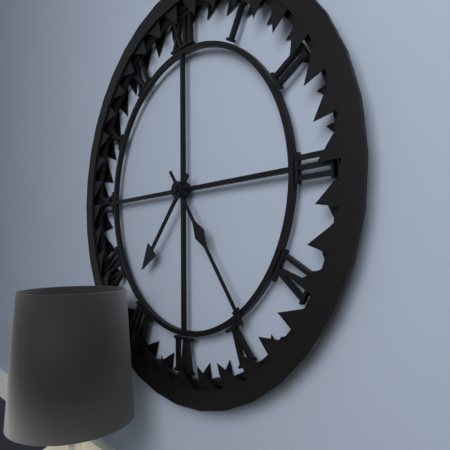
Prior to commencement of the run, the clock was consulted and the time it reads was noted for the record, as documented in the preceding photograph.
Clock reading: 7:24
